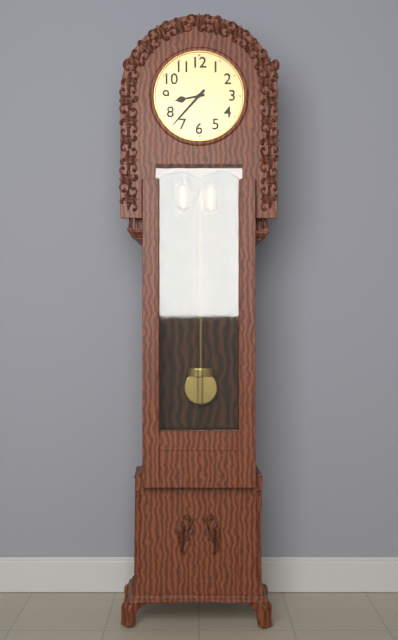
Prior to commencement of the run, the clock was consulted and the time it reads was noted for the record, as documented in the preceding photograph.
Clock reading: 8:37
